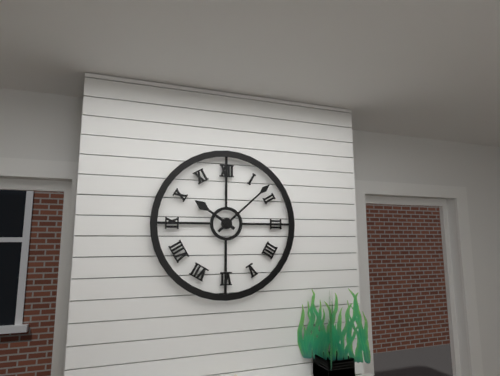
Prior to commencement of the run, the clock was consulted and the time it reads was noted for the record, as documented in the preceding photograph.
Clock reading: 10:08
